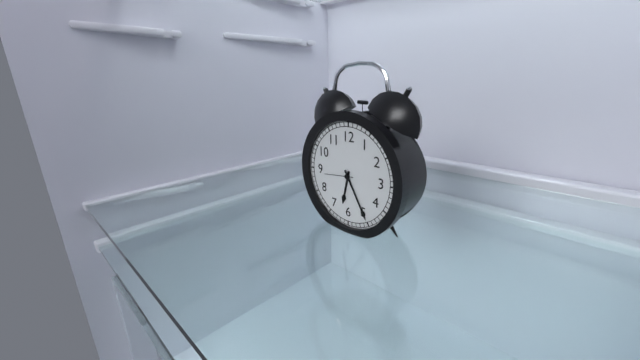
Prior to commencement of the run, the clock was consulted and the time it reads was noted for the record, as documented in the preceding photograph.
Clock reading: 6:25
